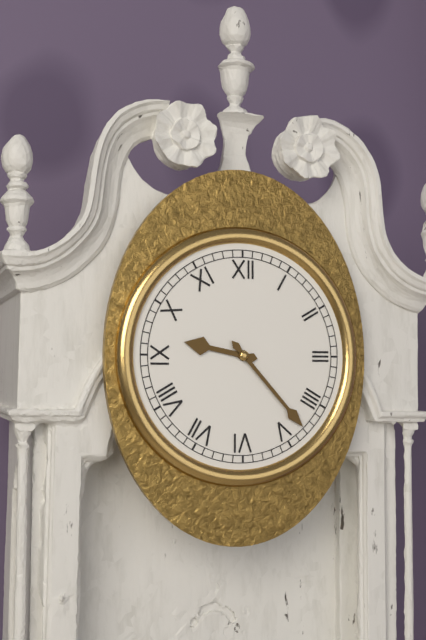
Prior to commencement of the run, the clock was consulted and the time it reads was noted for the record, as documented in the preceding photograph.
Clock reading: 9:23
